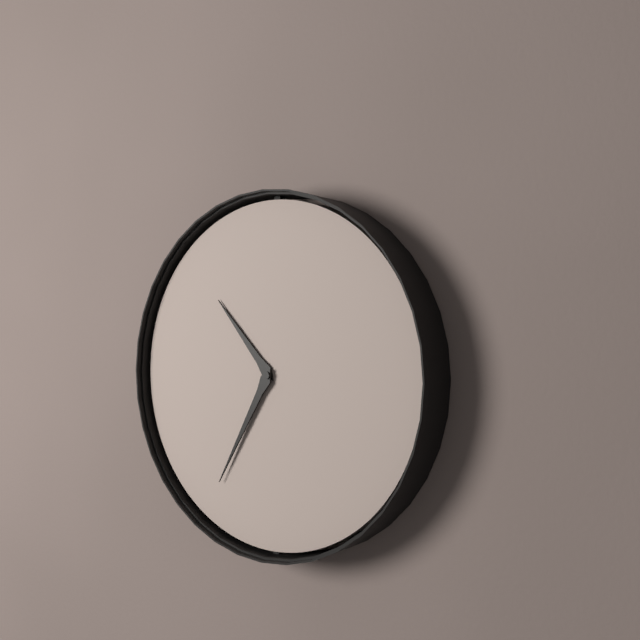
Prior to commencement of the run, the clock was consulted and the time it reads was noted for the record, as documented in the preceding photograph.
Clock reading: 10:35
